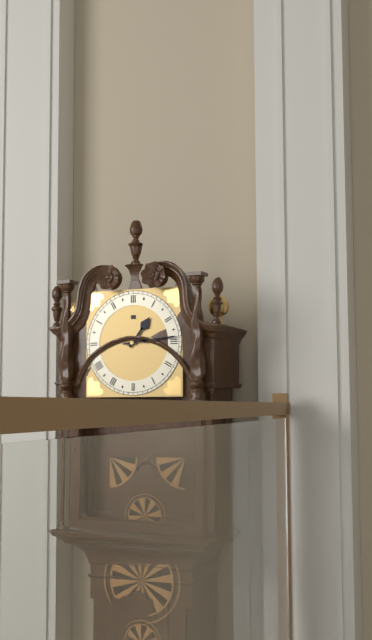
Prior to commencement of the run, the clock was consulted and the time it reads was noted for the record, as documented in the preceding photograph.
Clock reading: 1:14
